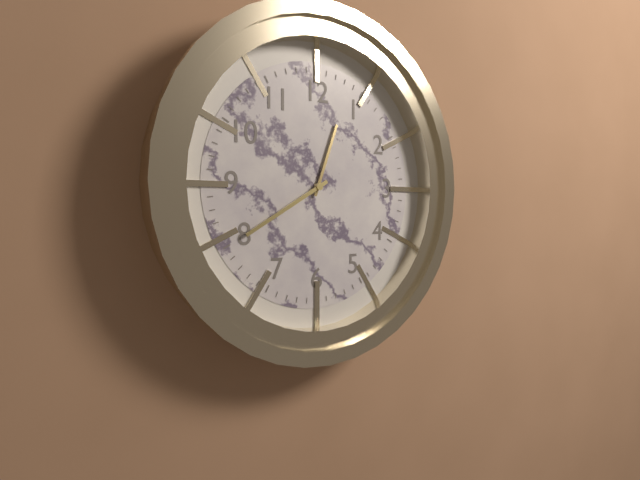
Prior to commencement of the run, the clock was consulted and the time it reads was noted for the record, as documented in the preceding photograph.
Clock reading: 12:40
